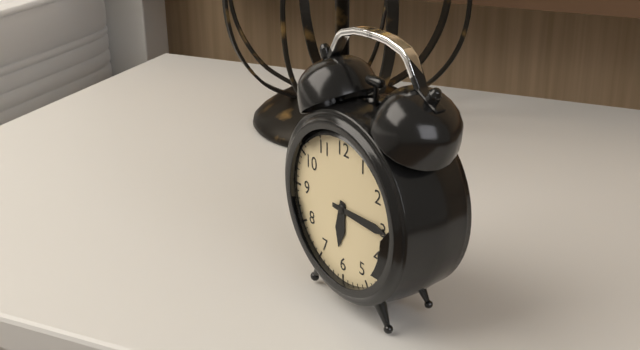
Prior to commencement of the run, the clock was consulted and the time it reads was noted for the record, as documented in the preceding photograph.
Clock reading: 6:15
